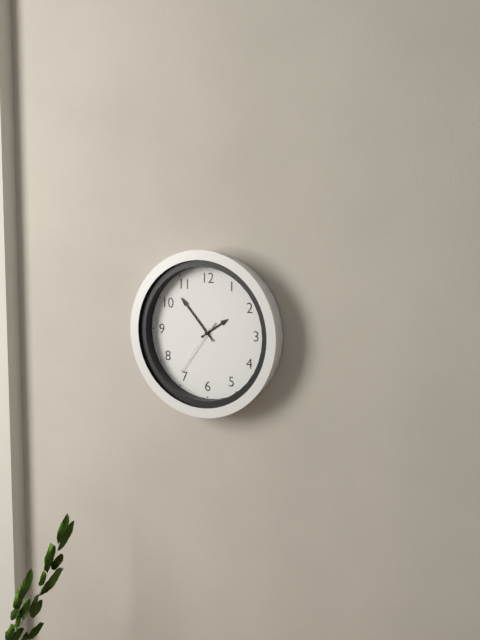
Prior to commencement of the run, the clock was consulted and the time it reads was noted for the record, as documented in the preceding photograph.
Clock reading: 1:53:36
